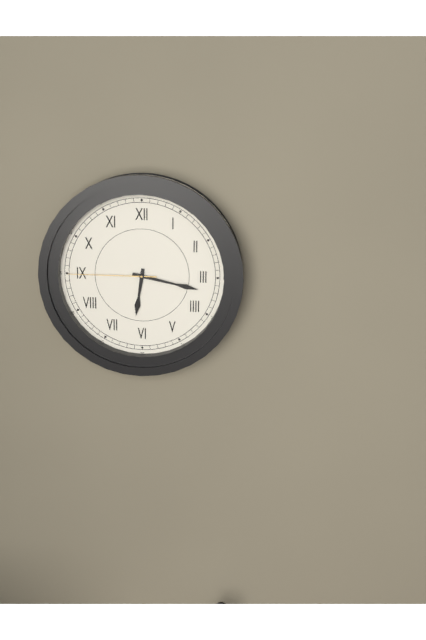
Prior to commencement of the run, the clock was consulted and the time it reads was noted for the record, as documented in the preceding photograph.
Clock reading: 6:17:45
